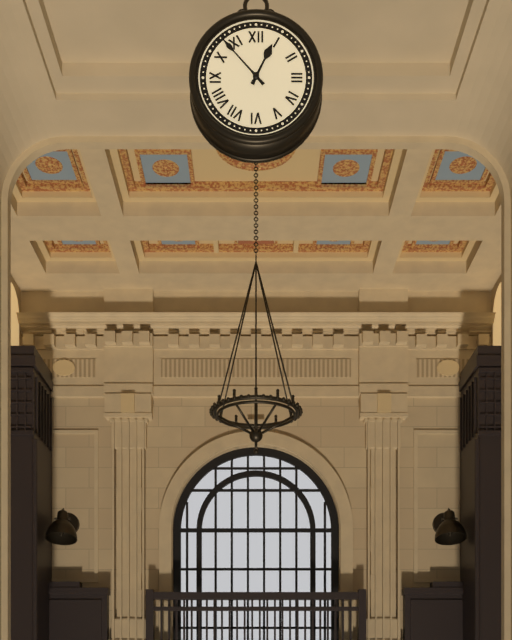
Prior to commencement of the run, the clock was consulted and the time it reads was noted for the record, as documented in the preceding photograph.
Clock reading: 12:53
